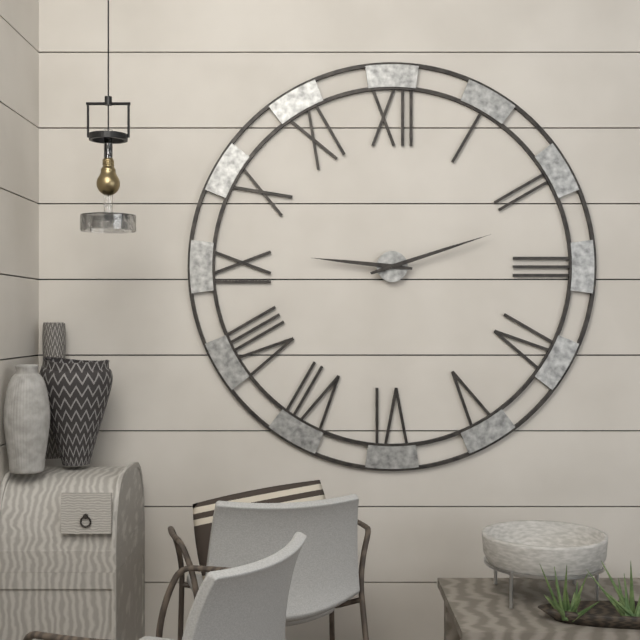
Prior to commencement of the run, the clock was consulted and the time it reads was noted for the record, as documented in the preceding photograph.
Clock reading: 9:12
